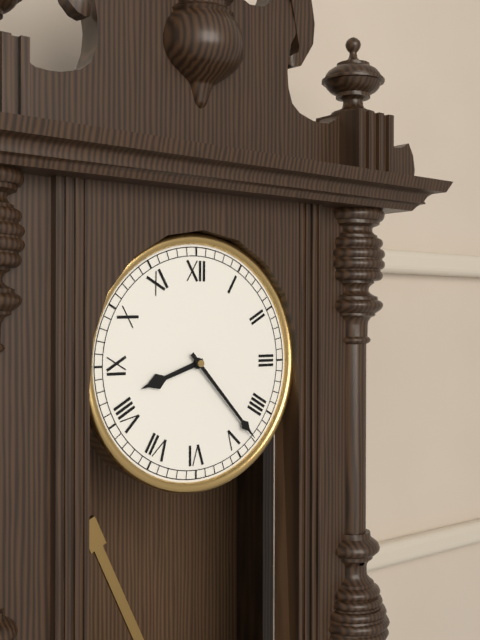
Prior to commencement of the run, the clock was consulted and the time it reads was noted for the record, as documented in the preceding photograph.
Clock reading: 8:23
